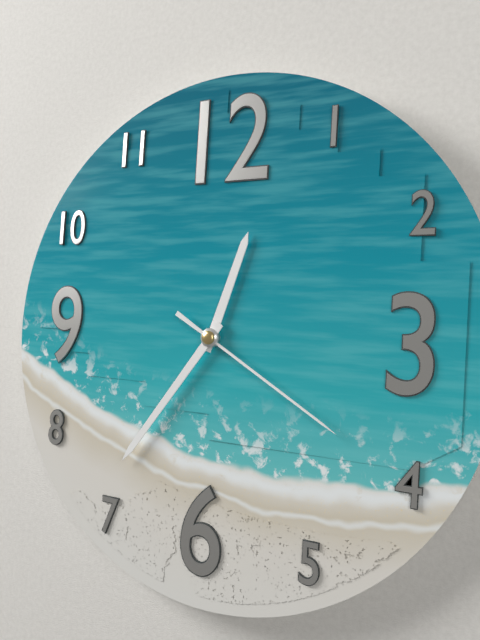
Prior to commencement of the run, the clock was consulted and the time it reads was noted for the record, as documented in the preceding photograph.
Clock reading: 12:36:20
